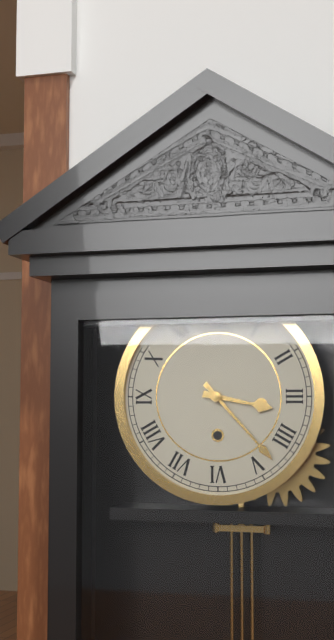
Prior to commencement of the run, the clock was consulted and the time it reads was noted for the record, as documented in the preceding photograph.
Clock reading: 3:23
